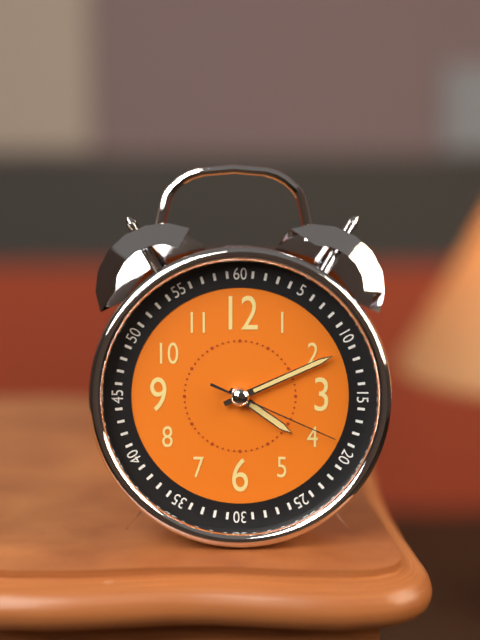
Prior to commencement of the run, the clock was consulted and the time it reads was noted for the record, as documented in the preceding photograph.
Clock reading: 4:11:19
